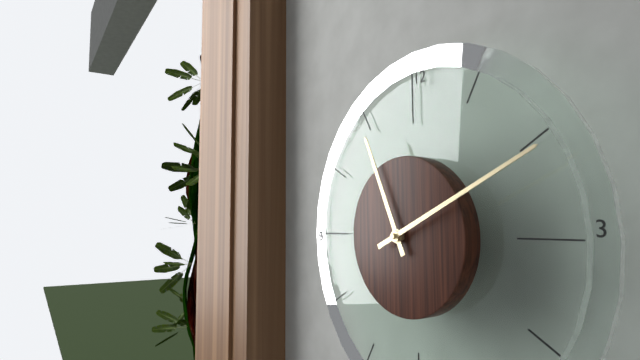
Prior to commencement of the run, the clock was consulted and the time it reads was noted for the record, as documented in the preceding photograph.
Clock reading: 11:11
